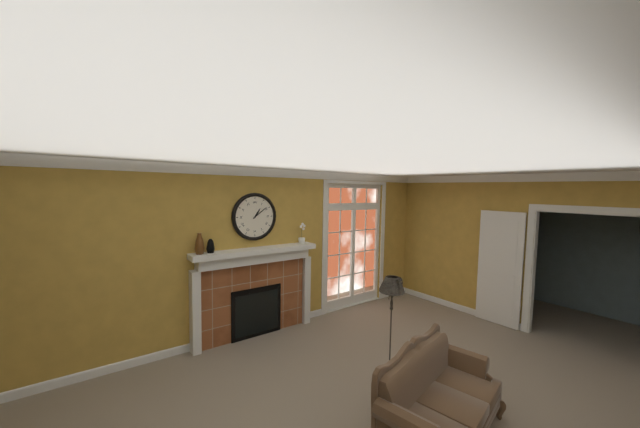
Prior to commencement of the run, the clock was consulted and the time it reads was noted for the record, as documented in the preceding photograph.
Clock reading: 1:09
